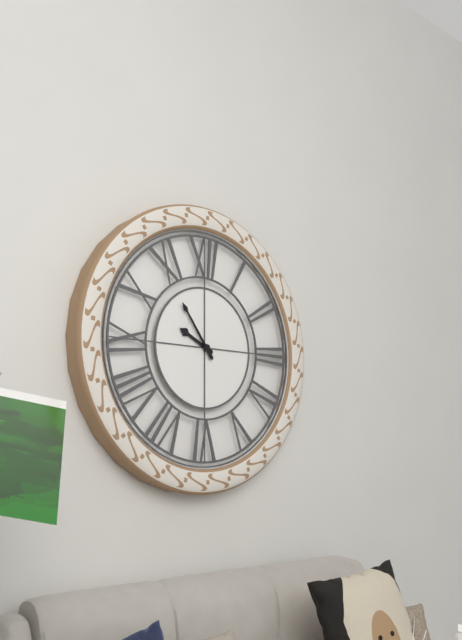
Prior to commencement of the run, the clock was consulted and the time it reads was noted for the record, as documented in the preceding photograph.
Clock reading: 9:54
